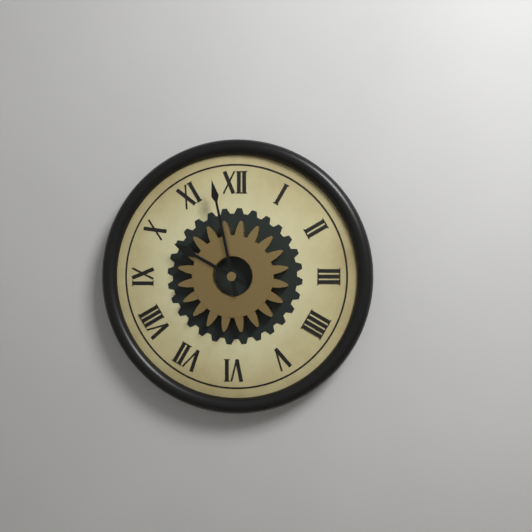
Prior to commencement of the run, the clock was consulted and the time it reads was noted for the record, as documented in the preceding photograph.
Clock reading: 9:58
